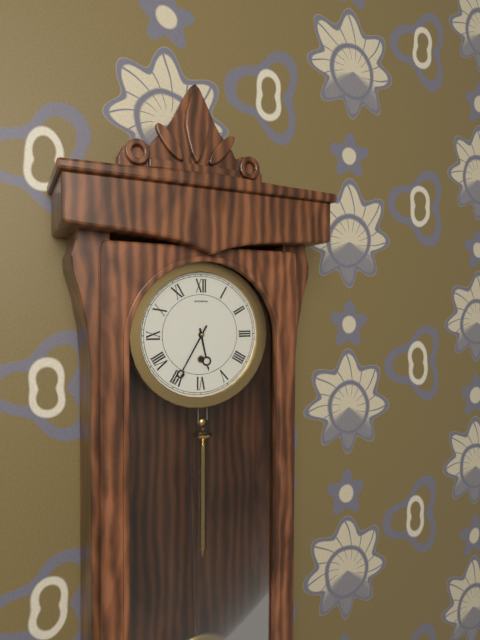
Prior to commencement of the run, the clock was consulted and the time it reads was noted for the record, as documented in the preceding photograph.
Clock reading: 5:35
